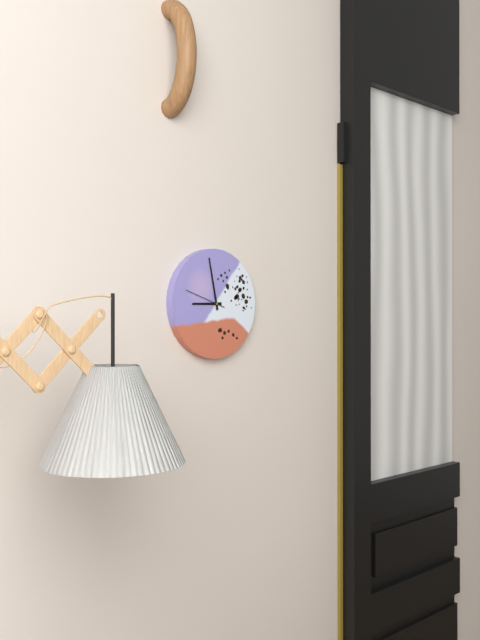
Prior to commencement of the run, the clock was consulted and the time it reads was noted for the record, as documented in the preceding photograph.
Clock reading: 8:58
